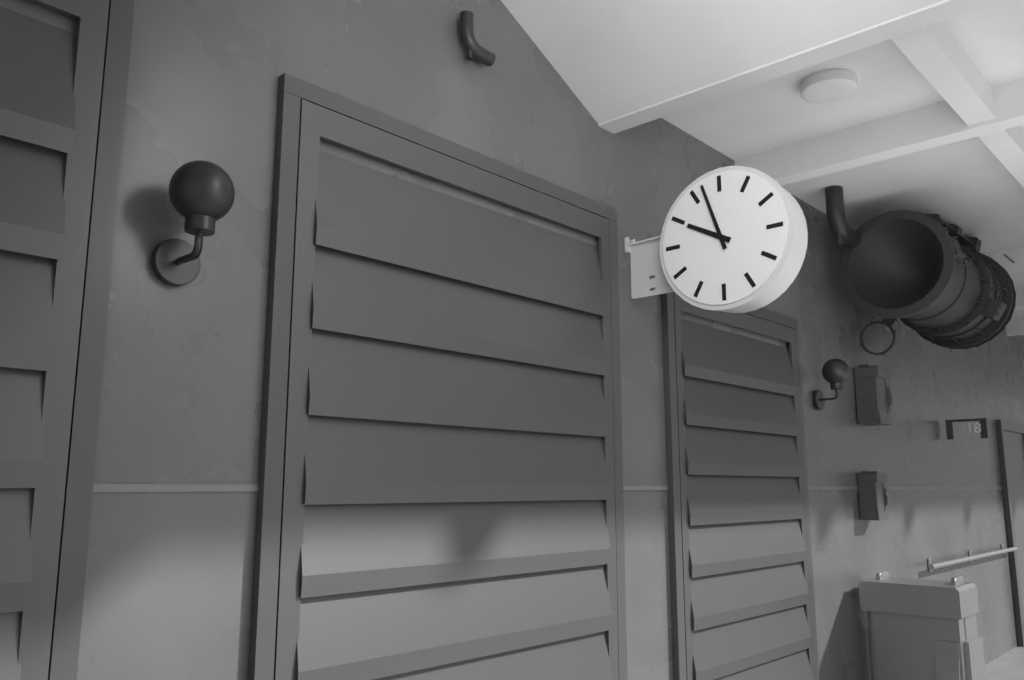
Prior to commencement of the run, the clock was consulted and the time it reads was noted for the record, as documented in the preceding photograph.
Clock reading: 9:57
